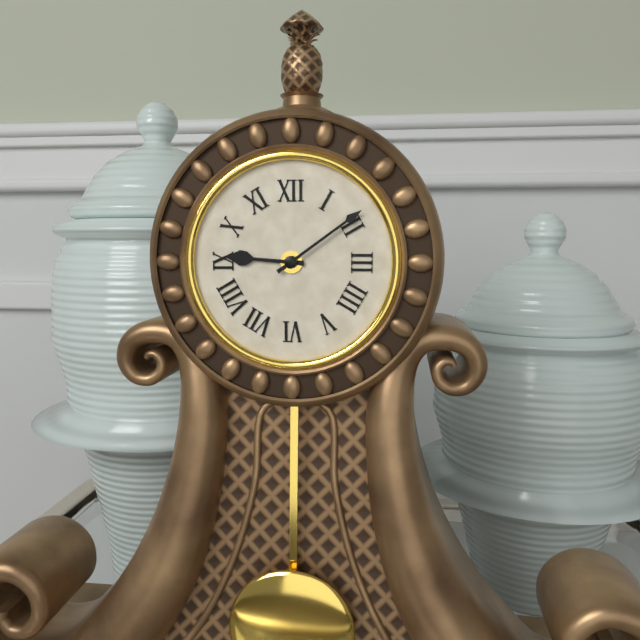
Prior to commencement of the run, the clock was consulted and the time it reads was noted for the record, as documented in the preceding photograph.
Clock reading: 9:09
